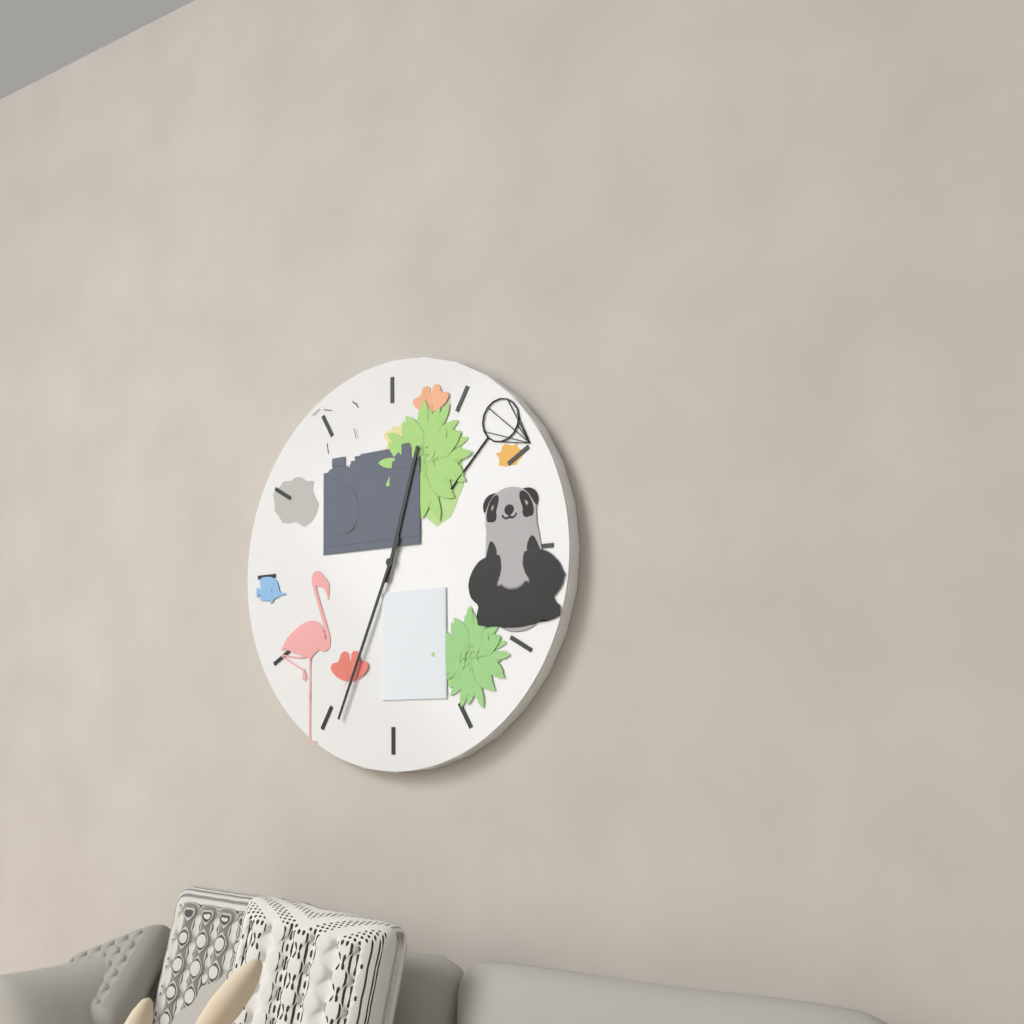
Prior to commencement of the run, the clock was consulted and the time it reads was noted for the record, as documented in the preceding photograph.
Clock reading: 12:34
